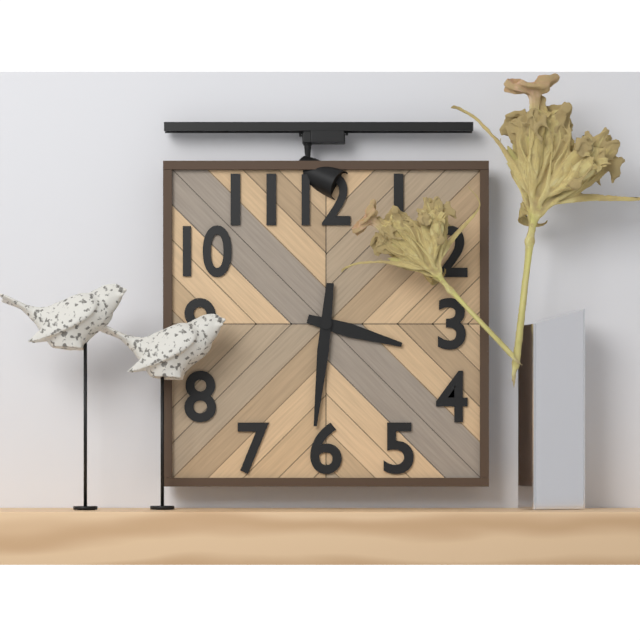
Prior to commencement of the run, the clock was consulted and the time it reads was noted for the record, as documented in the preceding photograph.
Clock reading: 3:31
